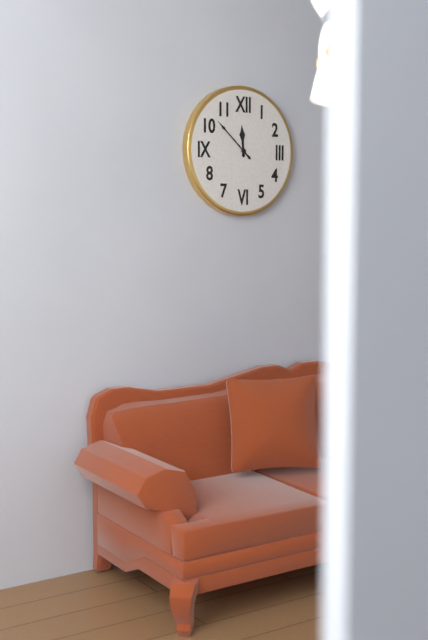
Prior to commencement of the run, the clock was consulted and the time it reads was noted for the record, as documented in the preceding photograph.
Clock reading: 11:52
